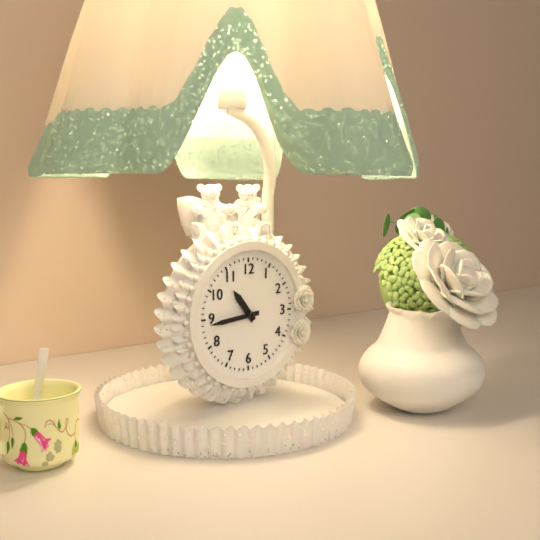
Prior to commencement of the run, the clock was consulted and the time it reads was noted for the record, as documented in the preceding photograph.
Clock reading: 10:44
